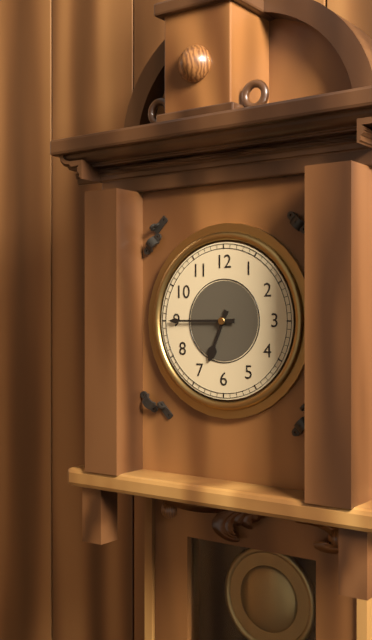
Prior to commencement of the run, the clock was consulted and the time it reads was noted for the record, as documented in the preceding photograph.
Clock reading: 6:45
